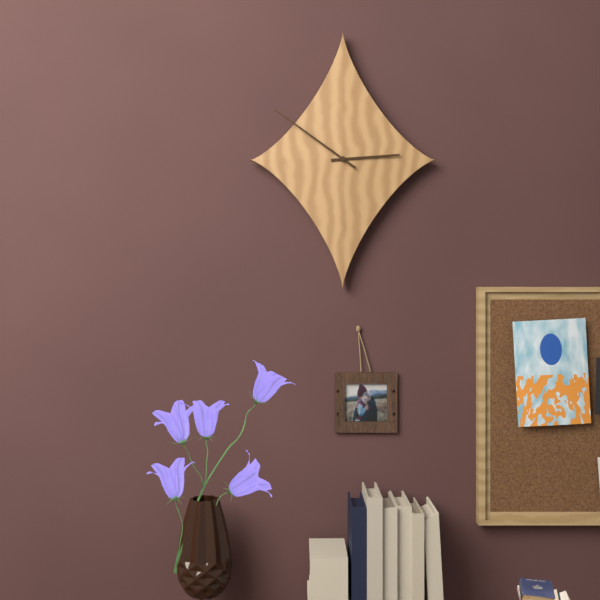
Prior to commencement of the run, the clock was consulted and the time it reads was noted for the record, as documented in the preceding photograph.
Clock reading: 2:51
